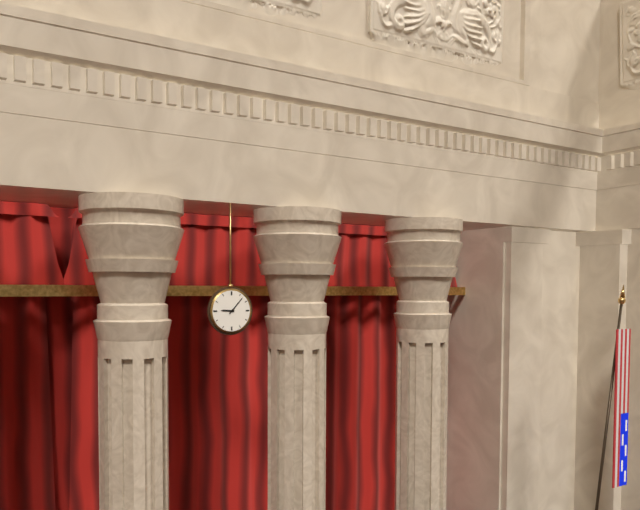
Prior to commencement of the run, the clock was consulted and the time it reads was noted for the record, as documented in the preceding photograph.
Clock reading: 9:07
